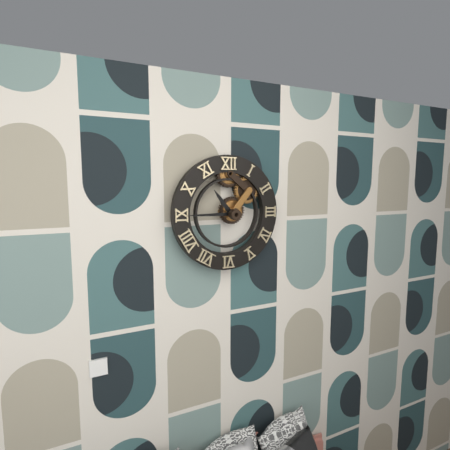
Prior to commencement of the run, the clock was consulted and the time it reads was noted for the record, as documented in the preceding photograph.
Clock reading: 10:45
